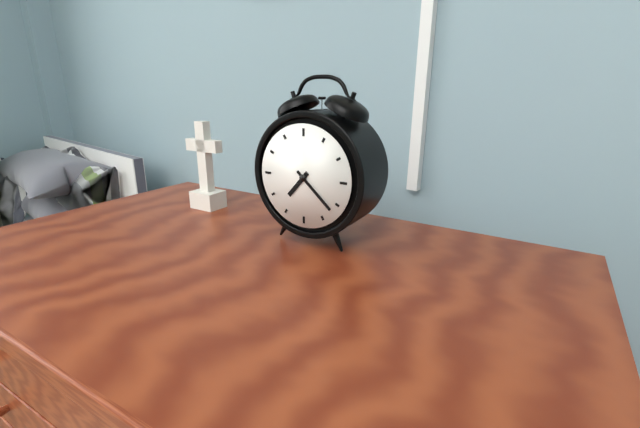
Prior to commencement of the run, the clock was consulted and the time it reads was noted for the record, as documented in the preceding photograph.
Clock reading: 7:22
